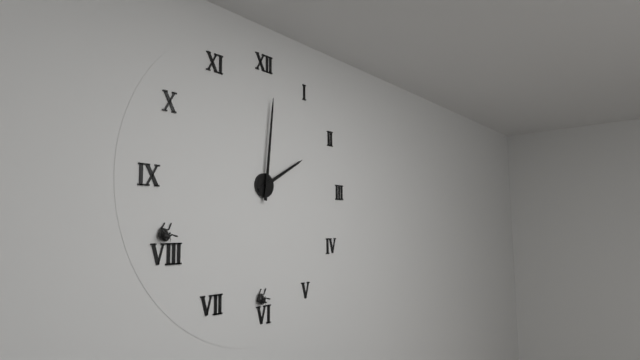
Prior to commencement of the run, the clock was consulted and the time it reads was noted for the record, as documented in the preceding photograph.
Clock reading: 2:01
